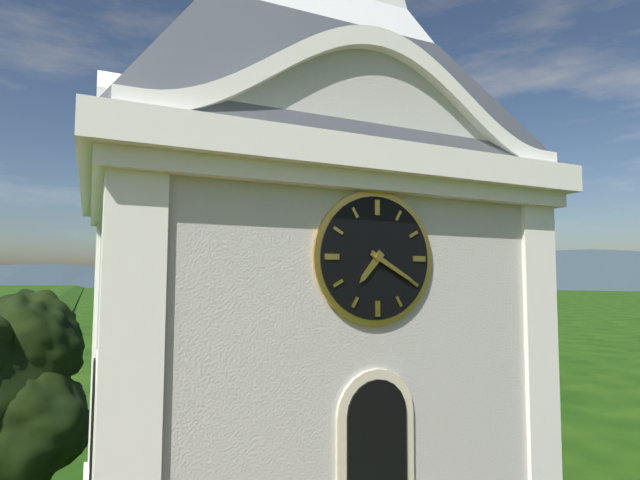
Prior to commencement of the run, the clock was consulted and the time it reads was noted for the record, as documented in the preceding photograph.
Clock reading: 7:20
